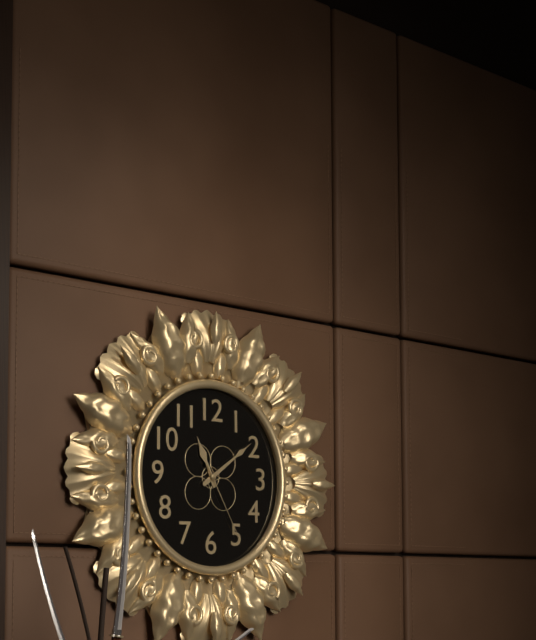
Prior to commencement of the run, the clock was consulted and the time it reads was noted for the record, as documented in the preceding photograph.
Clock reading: 11:09:25
